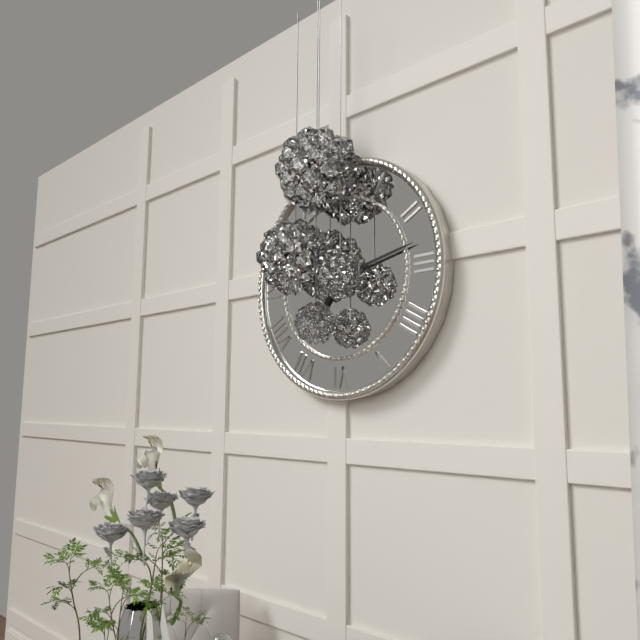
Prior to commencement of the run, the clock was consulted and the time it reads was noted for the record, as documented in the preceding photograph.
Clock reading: 7:13
